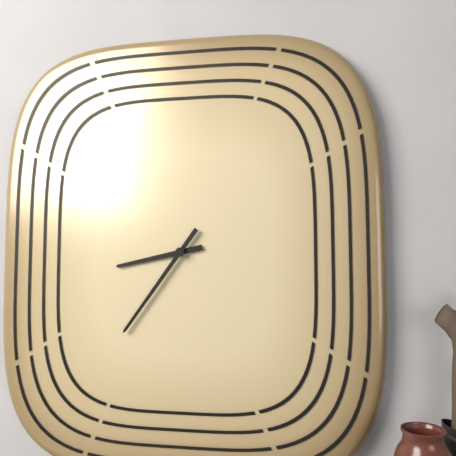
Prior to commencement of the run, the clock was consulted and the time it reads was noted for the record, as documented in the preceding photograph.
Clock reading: 8:36
